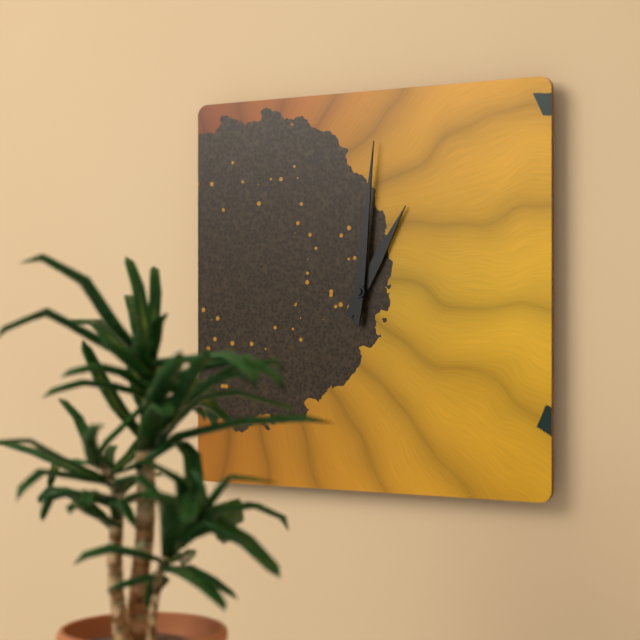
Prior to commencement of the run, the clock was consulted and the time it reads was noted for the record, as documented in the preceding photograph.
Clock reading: 1:01
